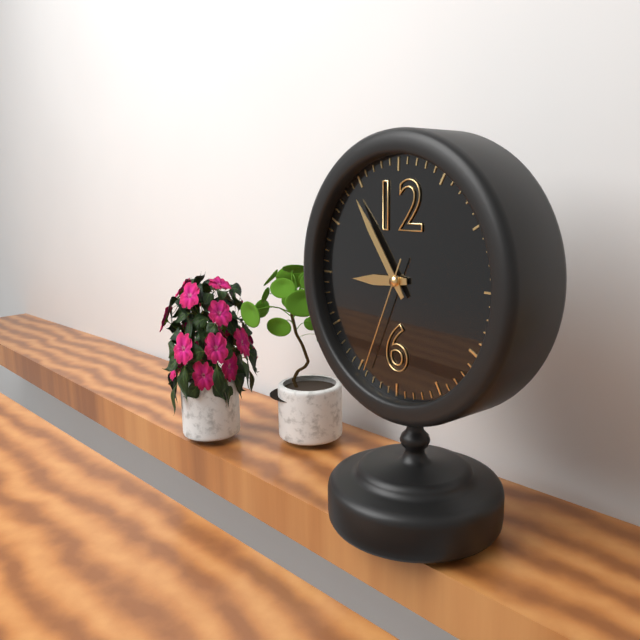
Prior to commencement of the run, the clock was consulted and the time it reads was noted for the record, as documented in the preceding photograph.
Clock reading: 8:54:34
